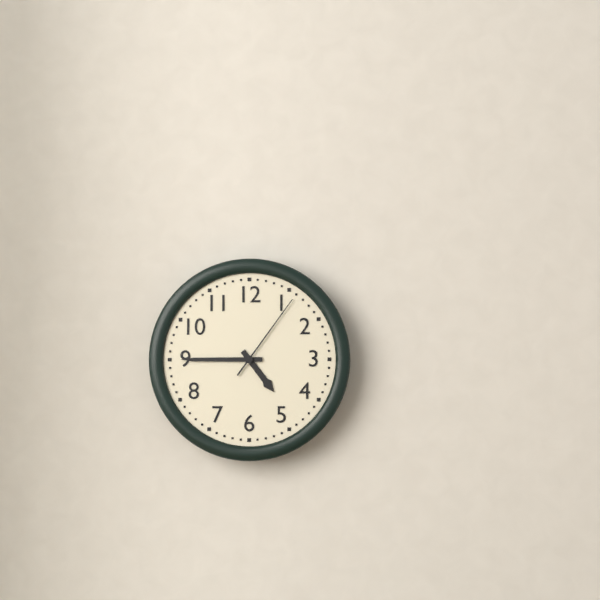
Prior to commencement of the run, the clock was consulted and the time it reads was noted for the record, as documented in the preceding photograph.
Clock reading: 4:45:06
